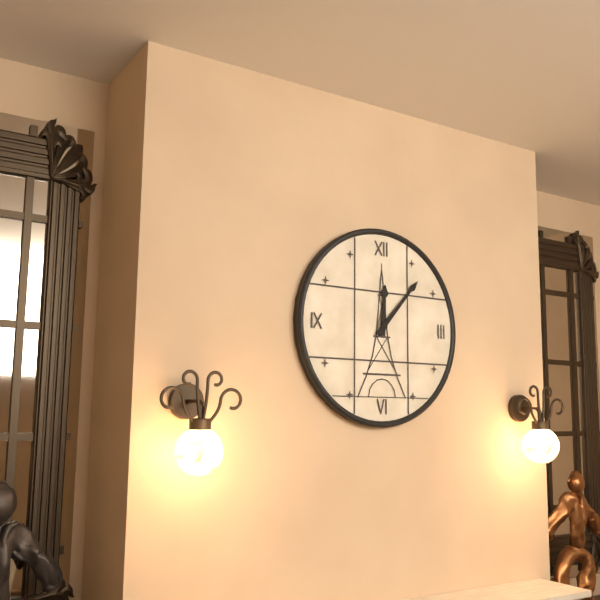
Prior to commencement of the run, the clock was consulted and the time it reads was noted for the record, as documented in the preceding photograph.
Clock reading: 12:07
